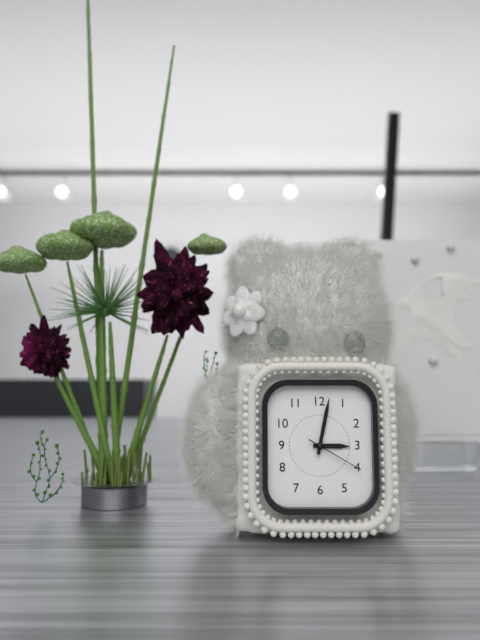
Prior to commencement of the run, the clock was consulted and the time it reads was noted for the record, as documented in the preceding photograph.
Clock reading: 3:02:20
